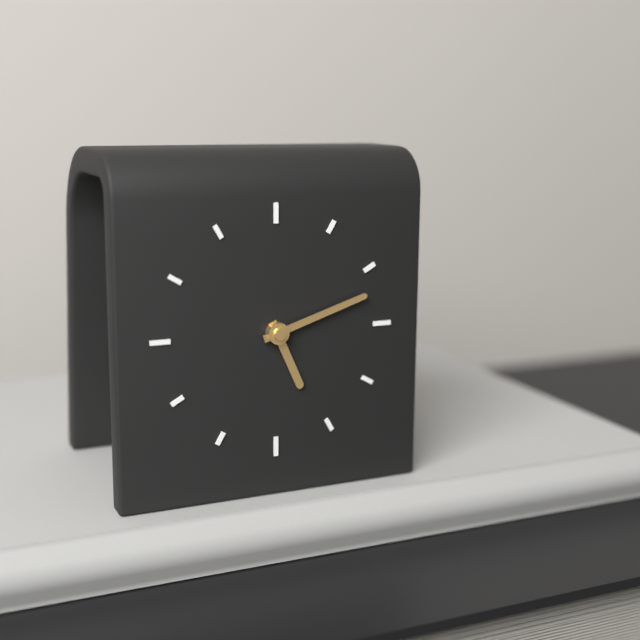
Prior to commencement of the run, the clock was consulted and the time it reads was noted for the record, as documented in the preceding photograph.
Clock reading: 5:12
